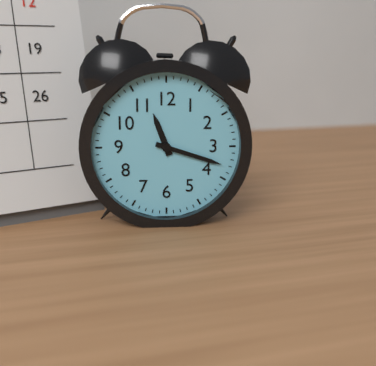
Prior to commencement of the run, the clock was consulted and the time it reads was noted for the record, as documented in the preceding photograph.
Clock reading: 11:18
